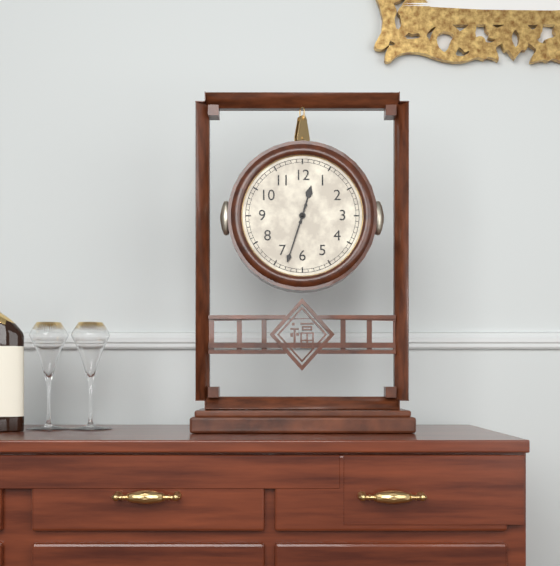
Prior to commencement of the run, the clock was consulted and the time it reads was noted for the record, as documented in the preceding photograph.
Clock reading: 12:33
